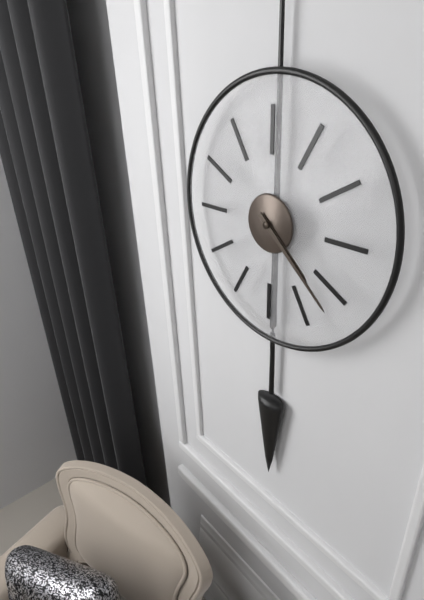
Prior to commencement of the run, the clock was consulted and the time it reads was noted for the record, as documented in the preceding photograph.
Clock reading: 4:22
